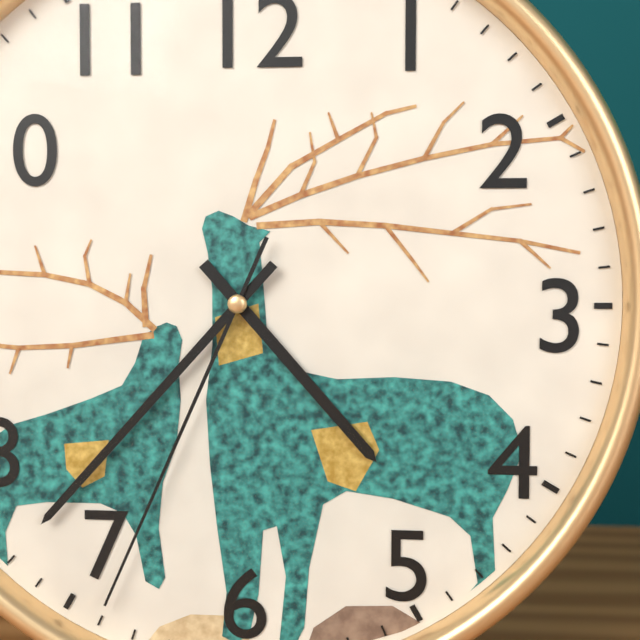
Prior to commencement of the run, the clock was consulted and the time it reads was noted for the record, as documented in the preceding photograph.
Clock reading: 4:37:34
